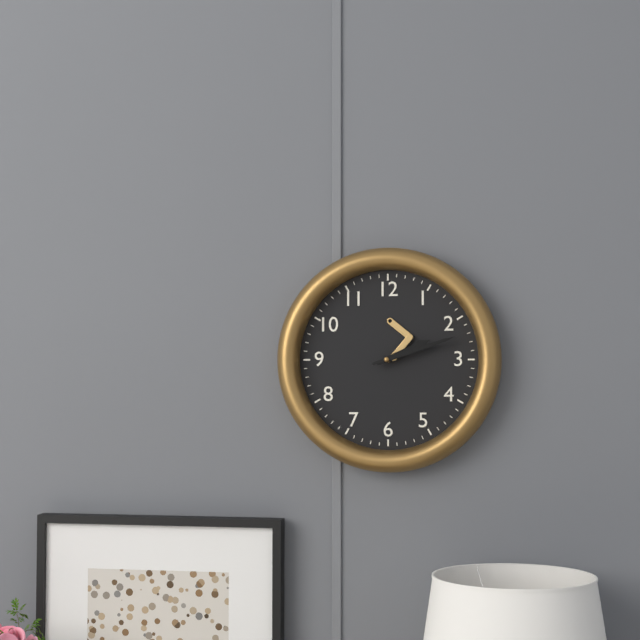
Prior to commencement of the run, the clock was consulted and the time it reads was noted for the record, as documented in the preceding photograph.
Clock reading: 2:12
